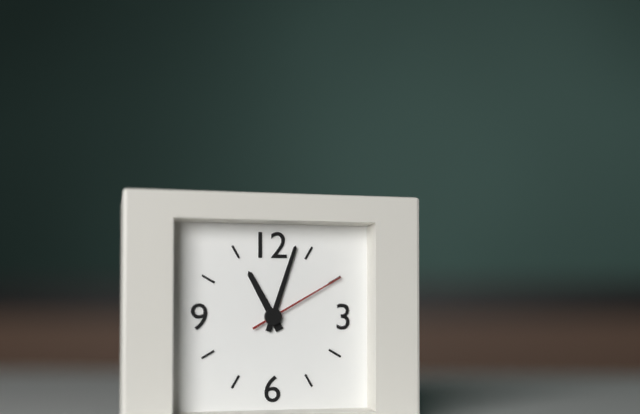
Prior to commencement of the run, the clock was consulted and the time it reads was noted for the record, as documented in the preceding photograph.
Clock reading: 11:03:10
